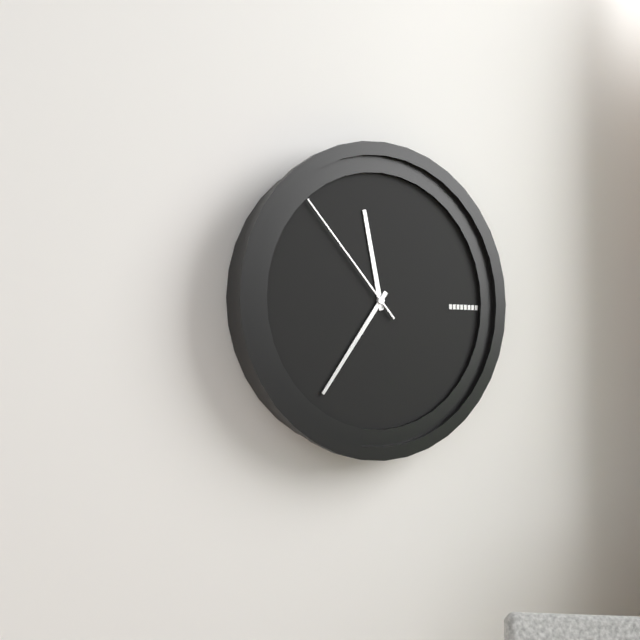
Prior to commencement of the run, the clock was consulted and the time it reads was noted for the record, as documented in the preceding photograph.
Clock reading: 11:36:53
